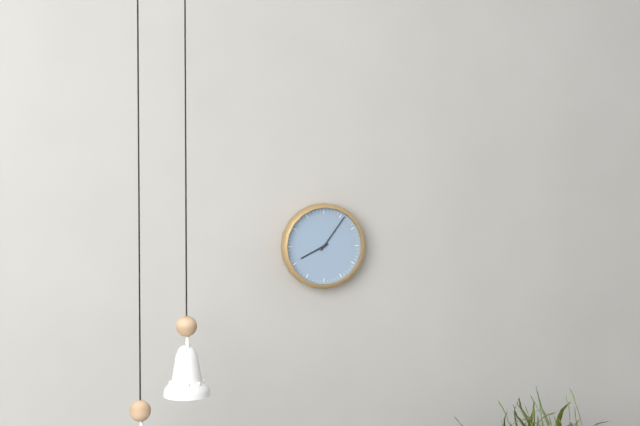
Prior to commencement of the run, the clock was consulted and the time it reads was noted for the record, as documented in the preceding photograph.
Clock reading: 8:06
